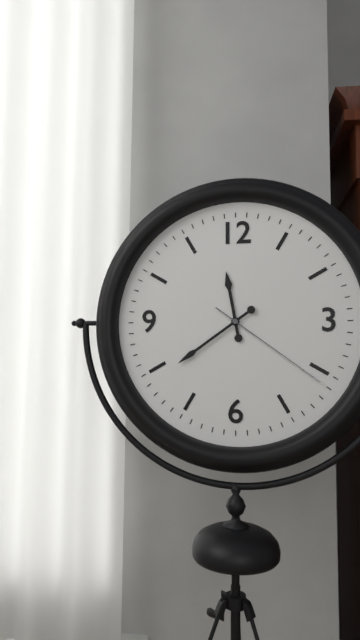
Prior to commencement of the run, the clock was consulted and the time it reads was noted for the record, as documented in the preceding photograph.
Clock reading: 11:39:21
